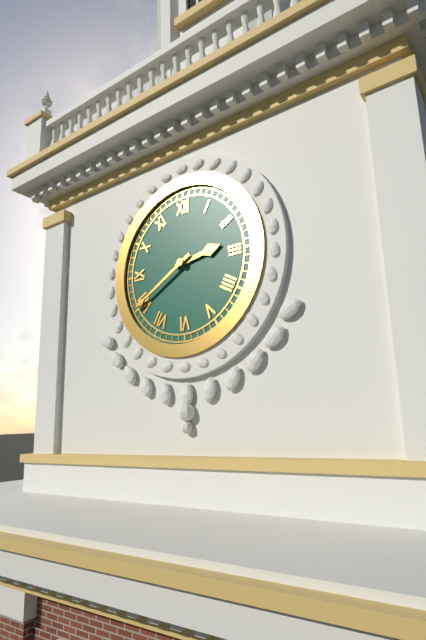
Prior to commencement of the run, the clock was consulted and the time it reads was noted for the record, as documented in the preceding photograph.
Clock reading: 2:40
